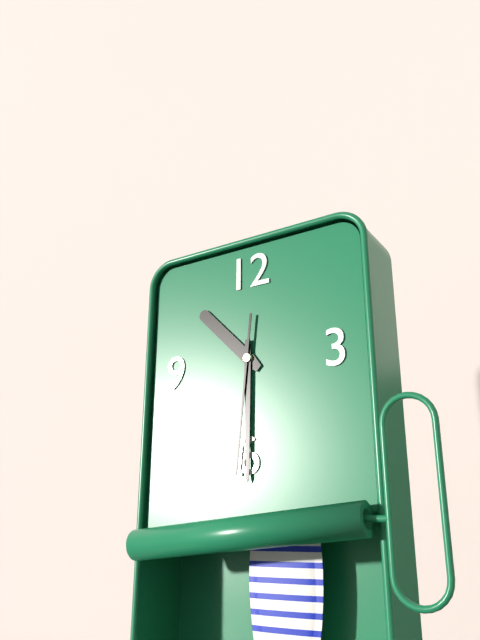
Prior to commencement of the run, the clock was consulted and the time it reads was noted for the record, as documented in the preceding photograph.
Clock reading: 10:30:31
